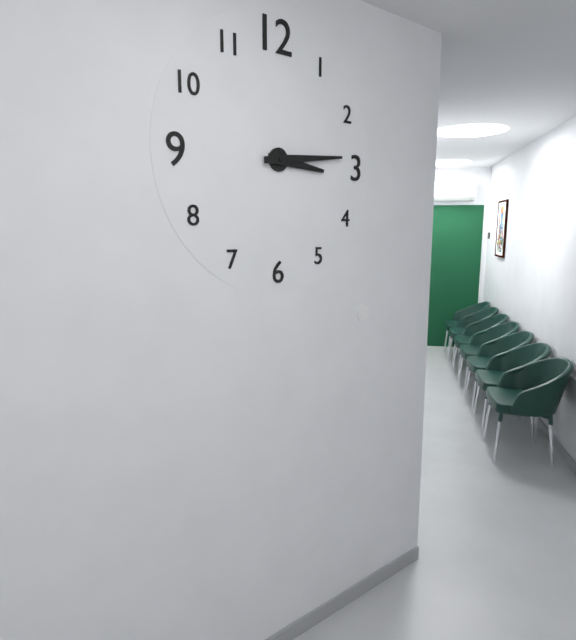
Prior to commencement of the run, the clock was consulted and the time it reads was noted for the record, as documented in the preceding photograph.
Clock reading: 3:14
